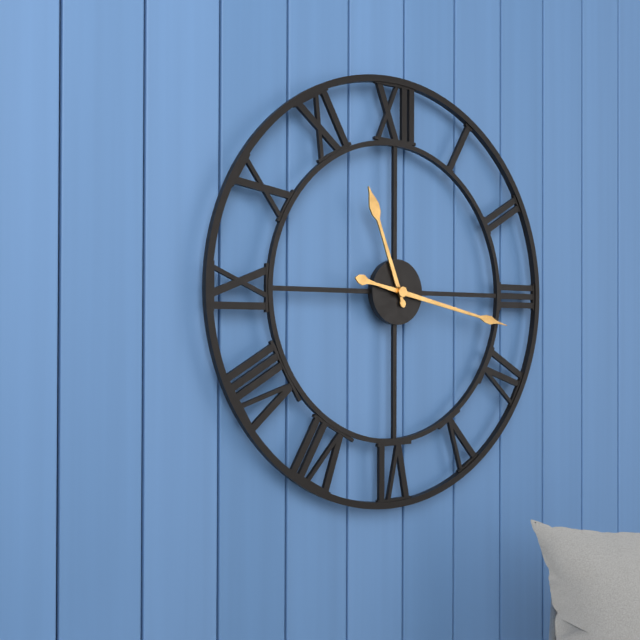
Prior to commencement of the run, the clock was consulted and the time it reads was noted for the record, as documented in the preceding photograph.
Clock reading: 11:17
